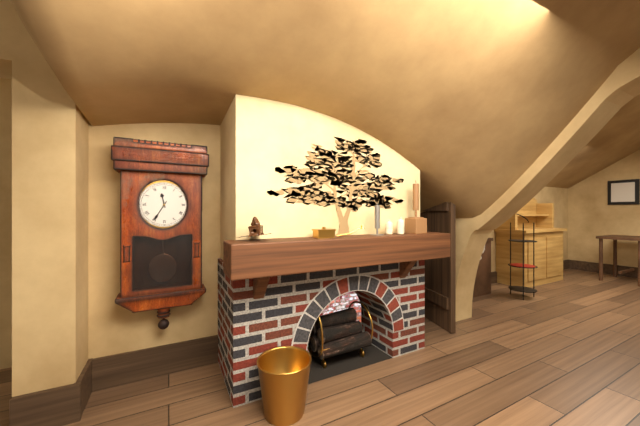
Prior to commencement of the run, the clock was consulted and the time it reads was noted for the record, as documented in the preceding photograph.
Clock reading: 11:35
